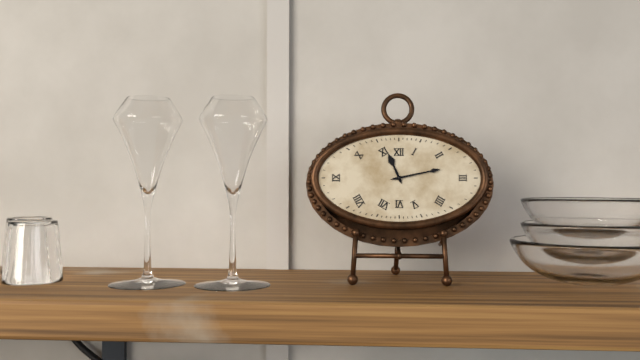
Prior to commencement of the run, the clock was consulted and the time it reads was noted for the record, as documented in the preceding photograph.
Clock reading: 11:13
